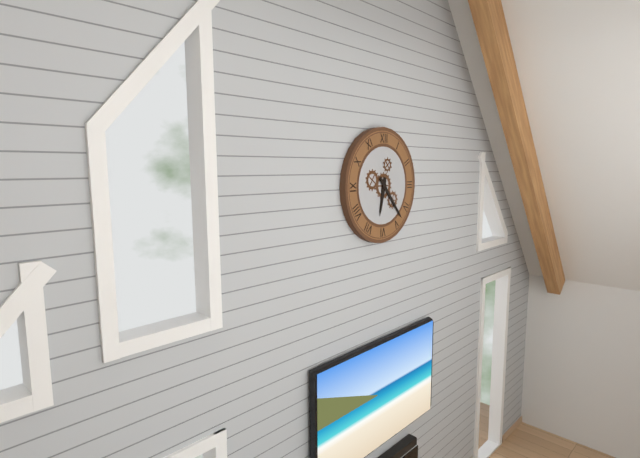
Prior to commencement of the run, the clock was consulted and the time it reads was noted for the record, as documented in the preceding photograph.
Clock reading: 6:23
